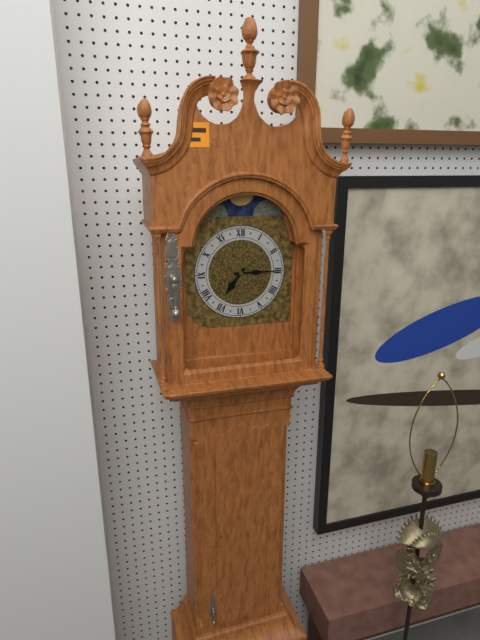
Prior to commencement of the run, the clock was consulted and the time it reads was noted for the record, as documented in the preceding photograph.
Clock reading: 7:15
